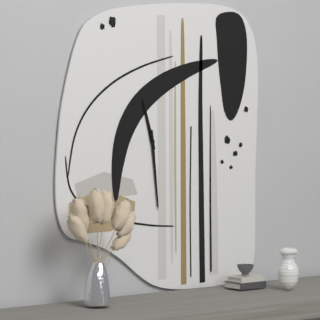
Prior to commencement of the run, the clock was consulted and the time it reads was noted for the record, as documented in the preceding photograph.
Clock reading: 11:29
